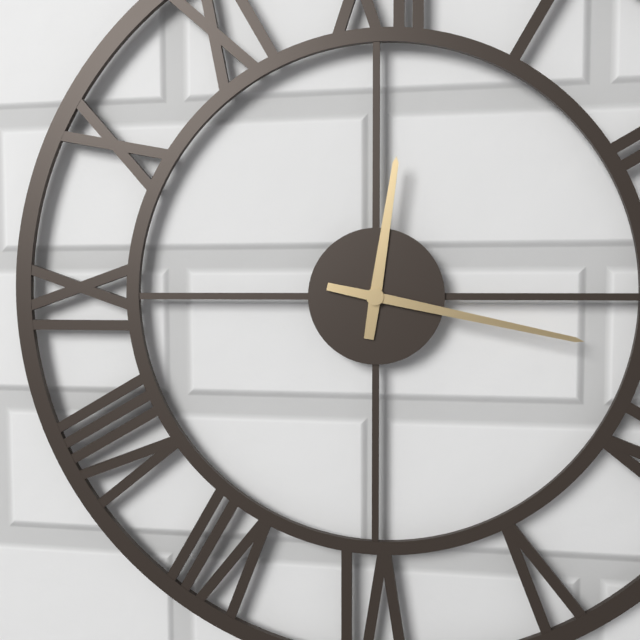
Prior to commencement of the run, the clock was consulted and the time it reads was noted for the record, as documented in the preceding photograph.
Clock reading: 12:17
